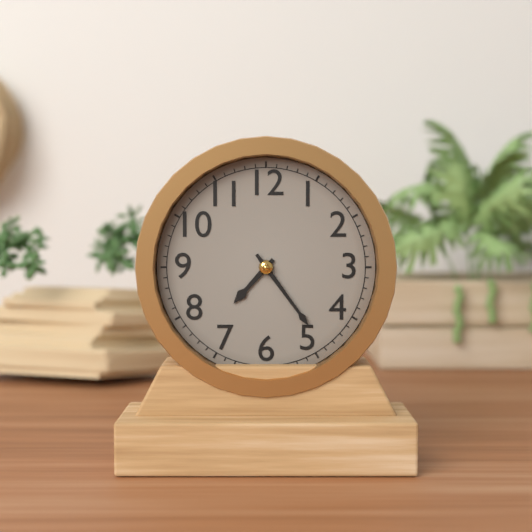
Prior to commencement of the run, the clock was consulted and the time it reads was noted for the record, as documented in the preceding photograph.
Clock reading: 7:24
